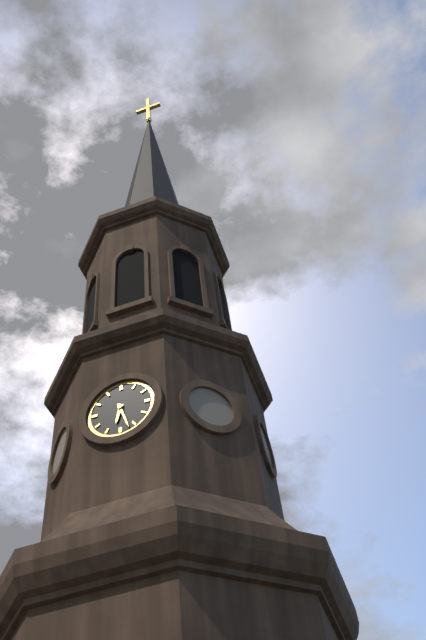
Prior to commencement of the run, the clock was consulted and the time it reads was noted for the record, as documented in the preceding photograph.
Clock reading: 6:27
